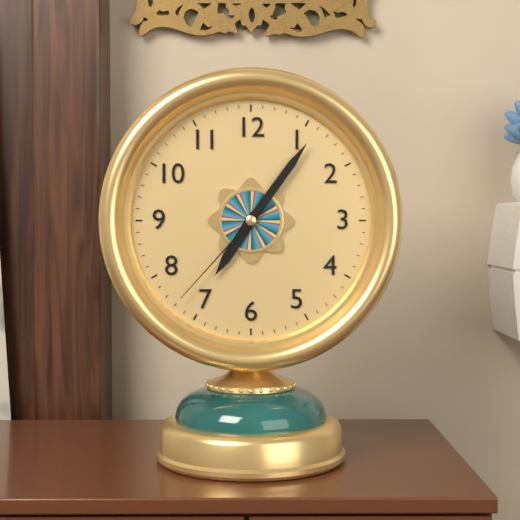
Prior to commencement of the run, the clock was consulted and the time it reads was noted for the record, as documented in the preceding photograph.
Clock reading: 7:06:37
